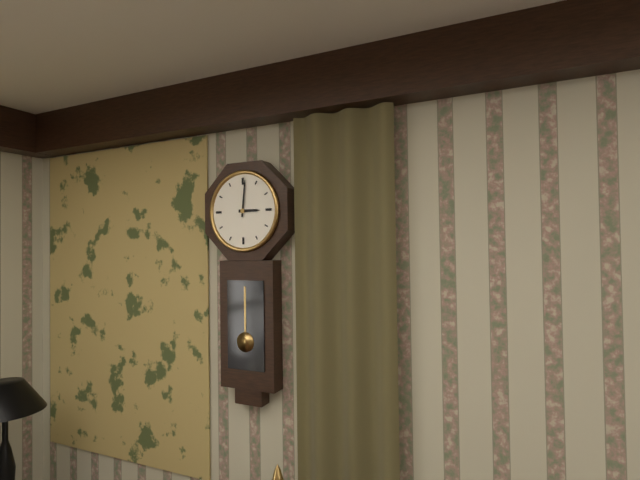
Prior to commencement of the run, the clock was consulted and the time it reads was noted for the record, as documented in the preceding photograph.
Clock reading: 3:01
